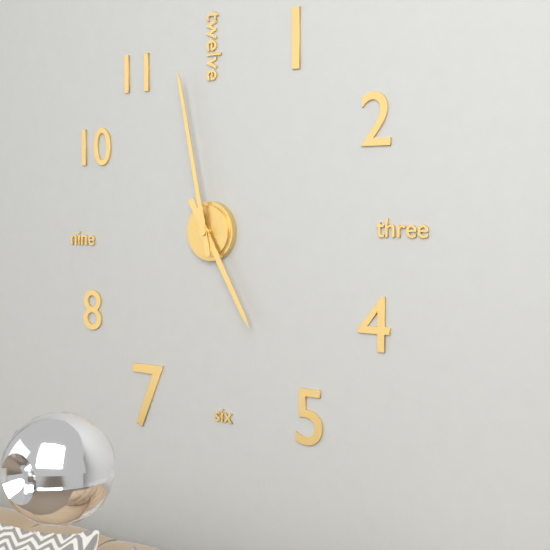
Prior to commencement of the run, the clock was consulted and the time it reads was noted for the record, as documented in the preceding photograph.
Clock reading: 4:58
